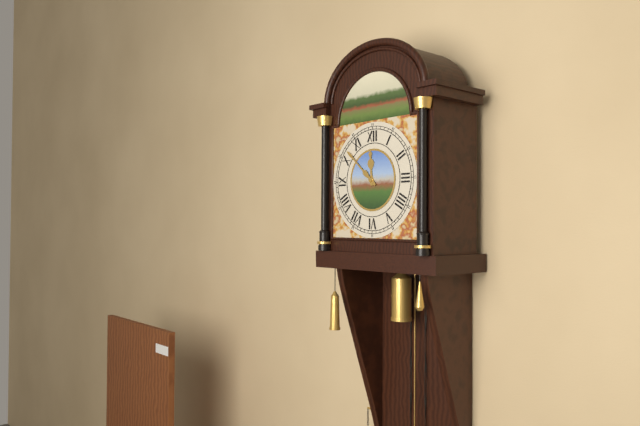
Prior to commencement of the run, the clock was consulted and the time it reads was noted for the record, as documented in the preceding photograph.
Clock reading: 11:52
